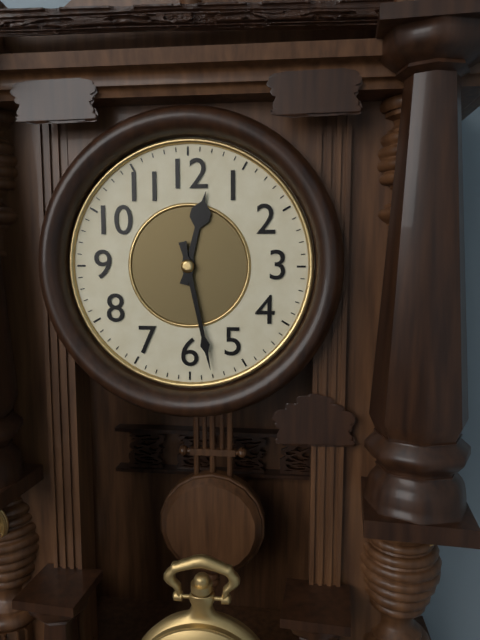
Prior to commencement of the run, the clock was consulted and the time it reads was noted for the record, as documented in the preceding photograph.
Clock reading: 12:28
